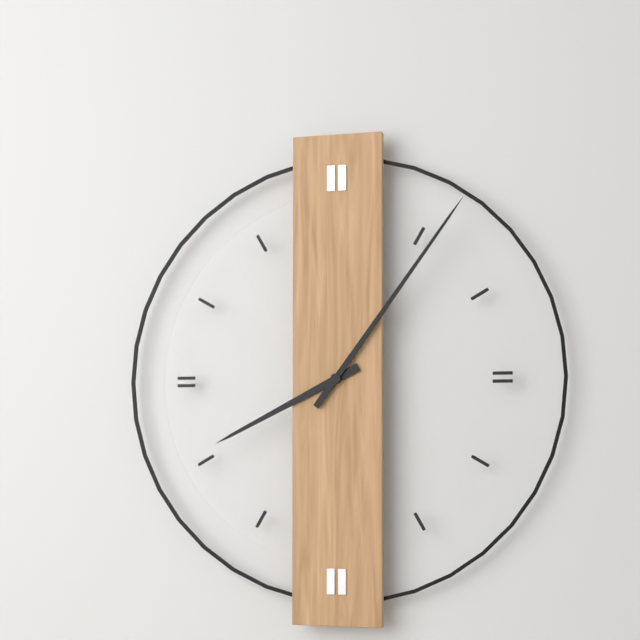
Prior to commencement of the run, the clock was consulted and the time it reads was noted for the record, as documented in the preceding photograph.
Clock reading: 8:06
